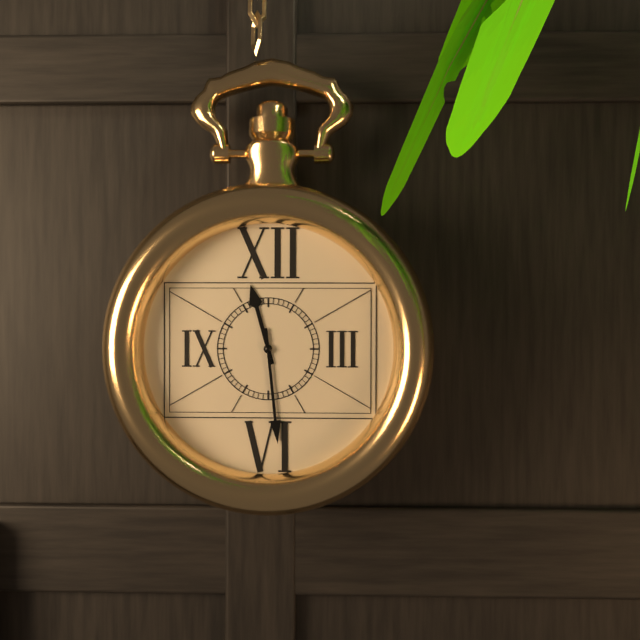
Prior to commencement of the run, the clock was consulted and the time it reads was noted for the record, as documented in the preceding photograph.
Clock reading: 11:29
